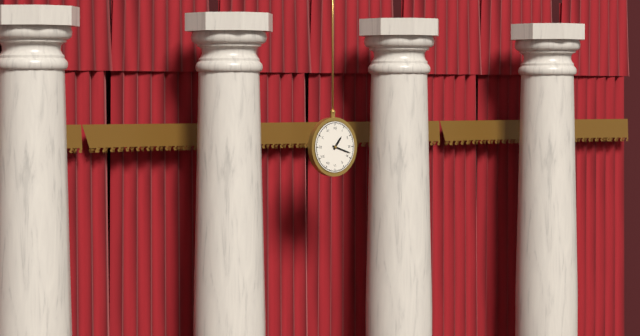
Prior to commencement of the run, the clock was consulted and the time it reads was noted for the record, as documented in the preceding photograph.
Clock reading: 1:18
